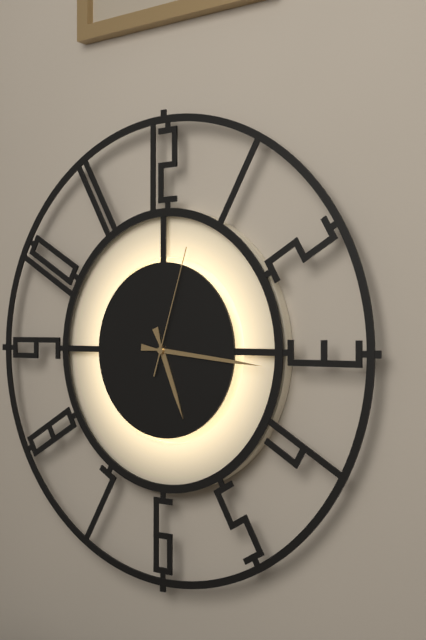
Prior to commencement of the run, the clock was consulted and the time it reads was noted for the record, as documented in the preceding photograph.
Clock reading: 5:16:03
